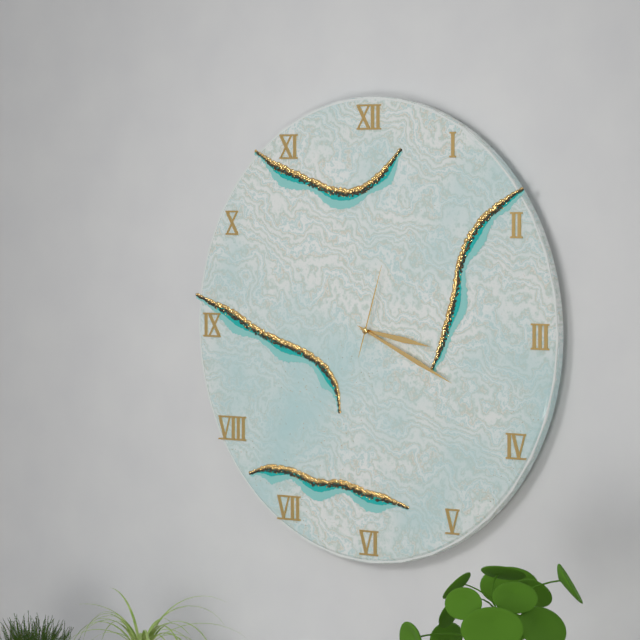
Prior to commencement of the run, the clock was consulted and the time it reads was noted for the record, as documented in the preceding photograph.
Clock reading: 3:19:03
